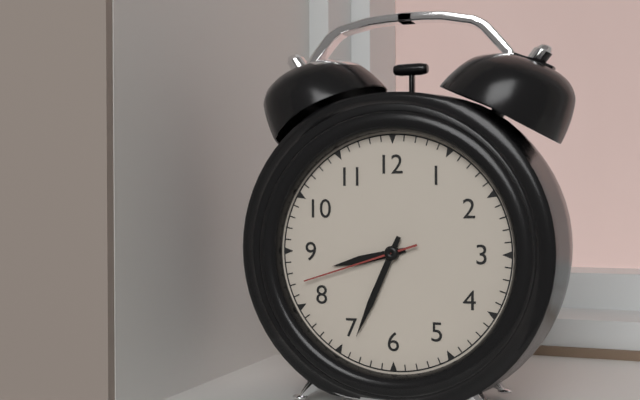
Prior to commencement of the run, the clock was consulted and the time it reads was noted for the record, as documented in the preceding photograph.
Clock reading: 8:34:42
